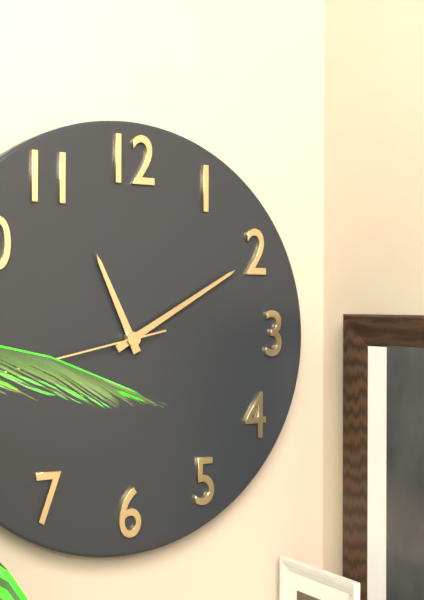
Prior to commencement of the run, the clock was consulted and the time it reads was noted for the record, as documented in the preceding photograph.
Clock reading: 11:10
